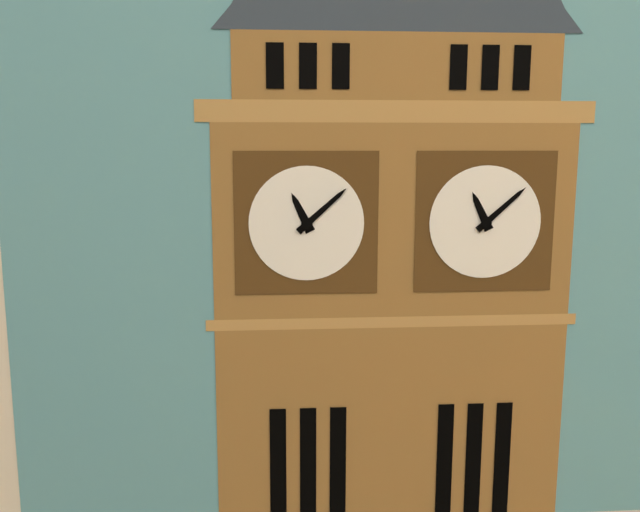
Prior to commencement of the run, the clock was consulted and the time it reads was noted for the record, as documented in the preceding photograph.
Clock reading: 11:08
